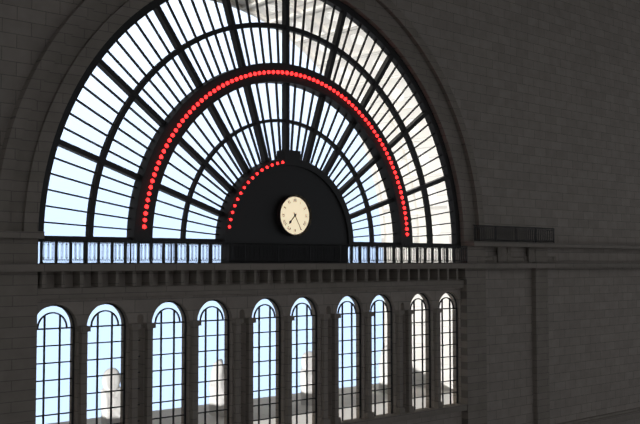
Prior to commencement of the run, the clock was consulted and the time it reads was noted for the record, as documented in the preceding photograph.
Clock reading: 7:25
